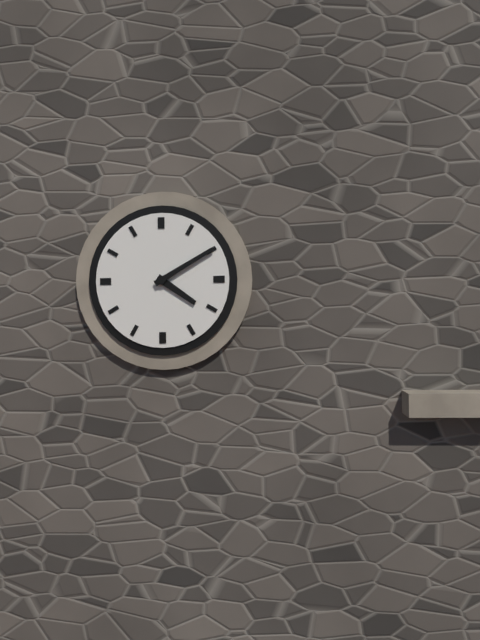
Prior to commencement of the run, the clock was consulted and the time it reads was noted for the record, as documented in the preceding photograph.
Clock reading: 4:10
